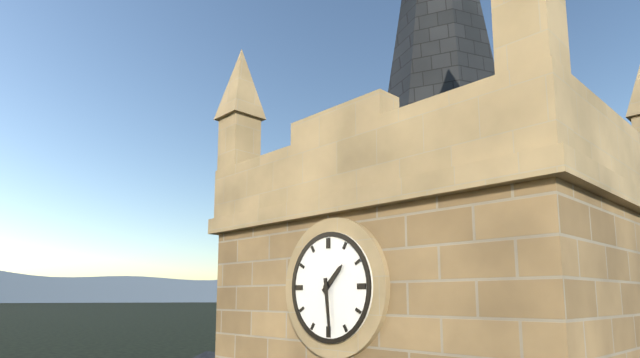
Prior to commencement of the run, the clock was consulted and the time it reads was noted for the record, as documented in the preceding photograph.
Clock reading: 1:29
